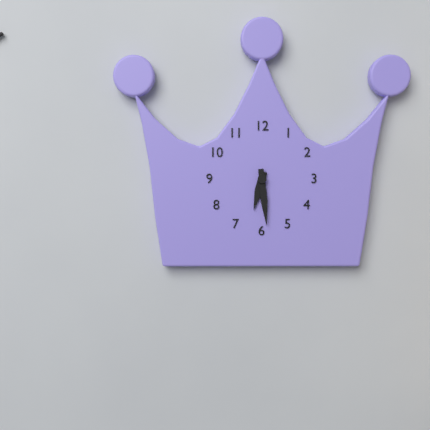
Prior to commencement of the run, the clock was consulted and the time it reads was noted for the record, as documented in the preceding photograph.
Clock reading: 6:29
